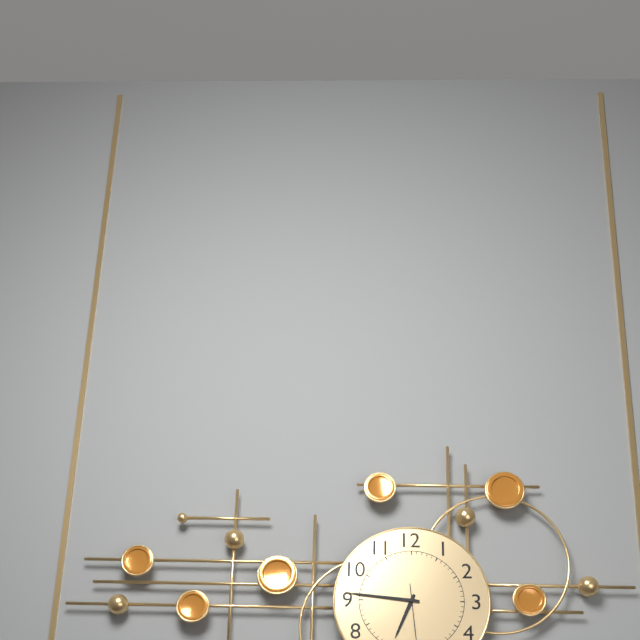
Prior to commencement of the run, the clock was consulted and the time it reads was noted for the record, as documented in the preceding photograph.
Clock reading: 6:46
